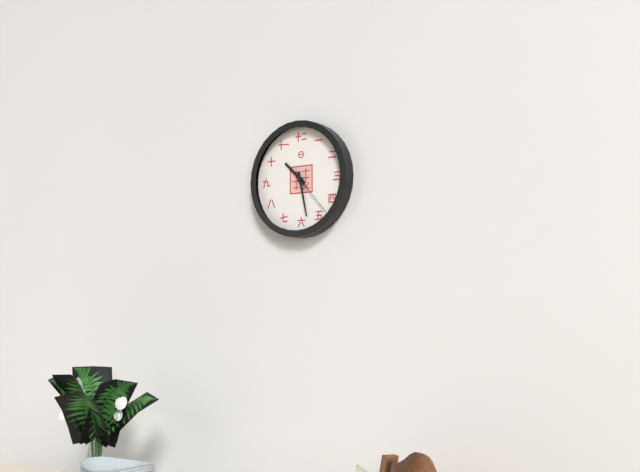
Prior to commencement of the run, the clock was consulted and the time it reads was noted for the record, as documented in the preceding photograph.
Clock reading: 10:28
